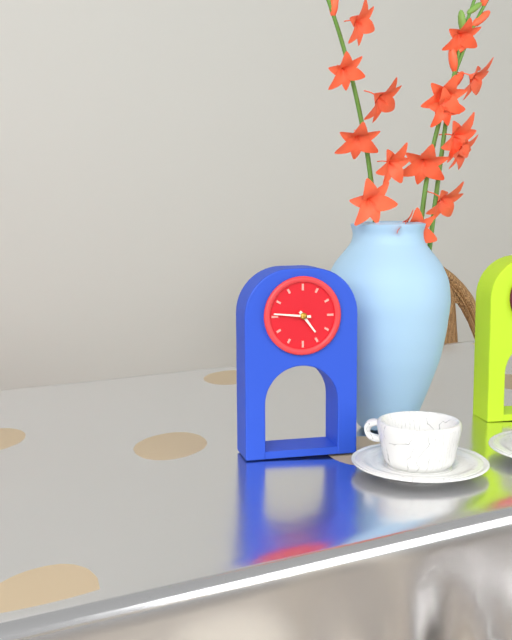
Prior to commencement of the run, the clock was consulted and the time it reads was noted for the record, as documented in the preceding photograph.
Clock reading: 4:46
